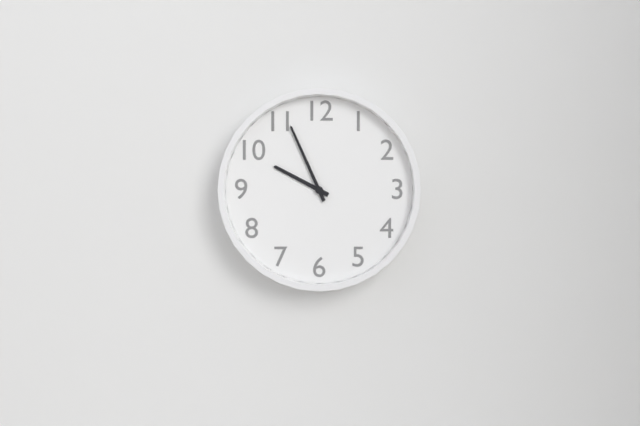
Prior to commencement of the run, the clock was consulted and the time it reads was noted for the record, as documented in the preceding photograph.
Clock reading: 9:56
